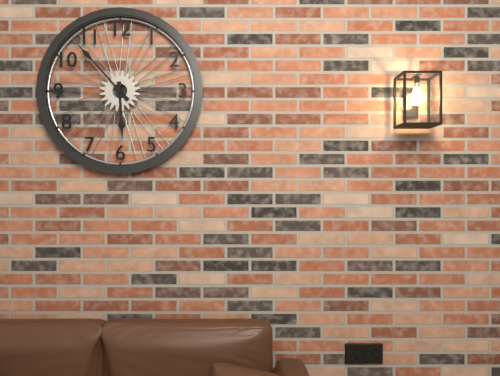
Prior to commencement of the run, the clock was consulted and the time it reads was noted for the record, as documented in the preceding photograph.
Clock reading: 5:53
